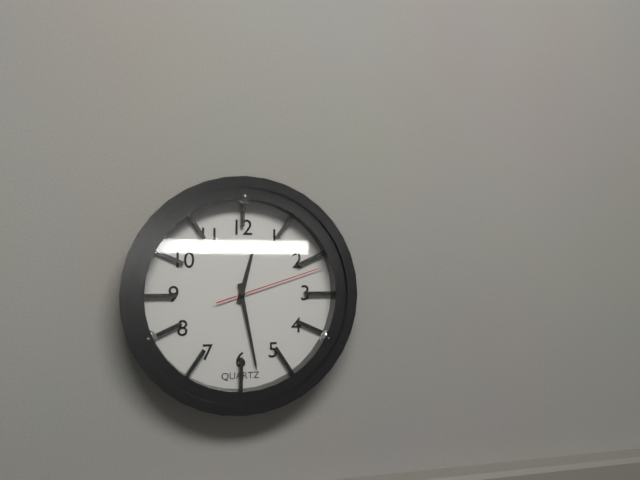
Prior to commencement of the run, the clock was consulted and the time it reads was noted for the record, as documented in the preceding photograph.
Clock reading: 12:28:12
